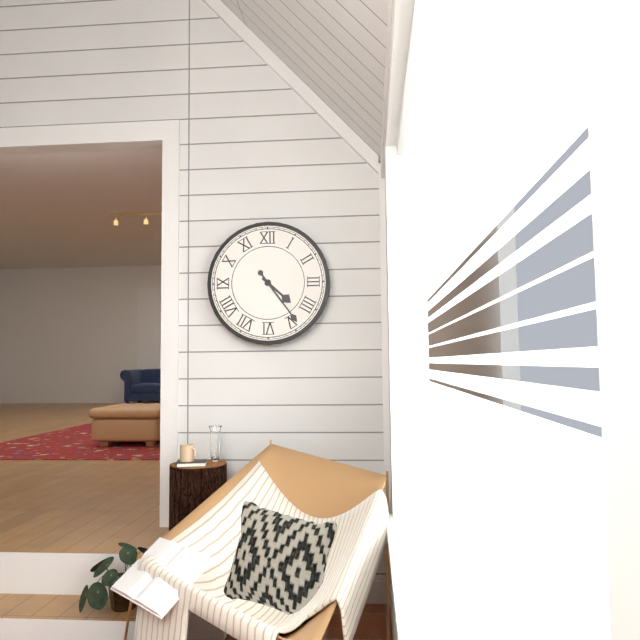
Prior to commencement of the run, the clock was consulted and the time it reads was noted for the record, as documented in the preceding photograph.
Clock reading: 4:24
